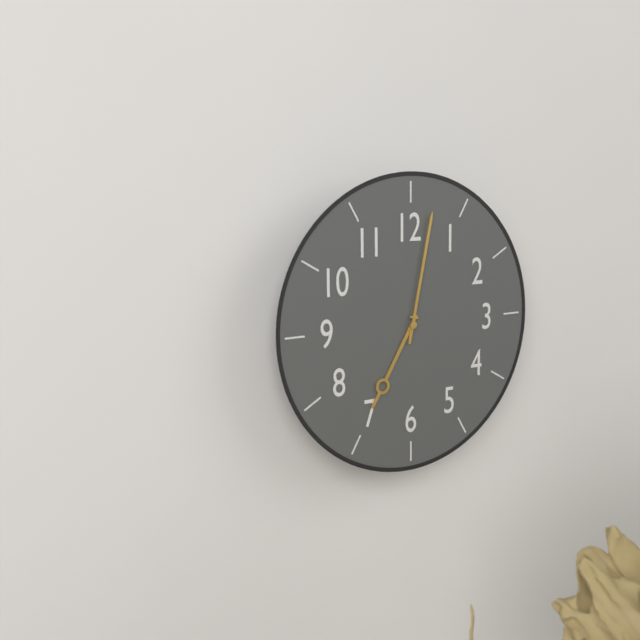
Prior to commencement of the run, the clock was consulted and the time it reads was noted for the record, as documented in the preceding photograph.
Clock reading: 7:02
